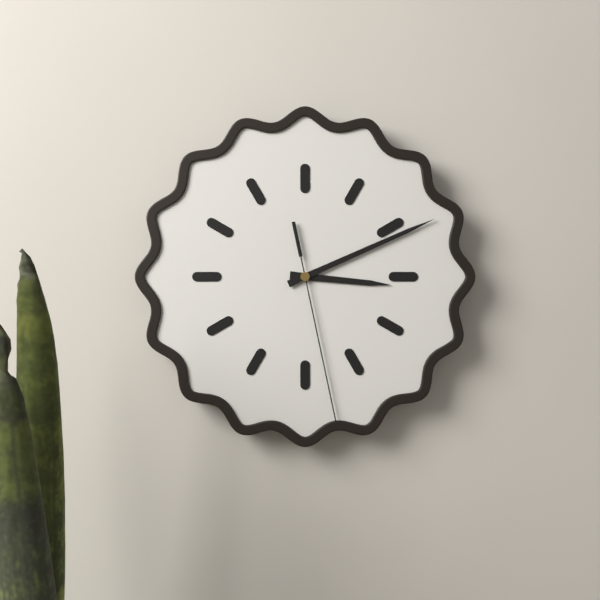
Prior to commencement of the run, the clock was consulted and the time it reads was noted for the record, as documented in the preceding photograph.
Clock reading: 3:11:28
